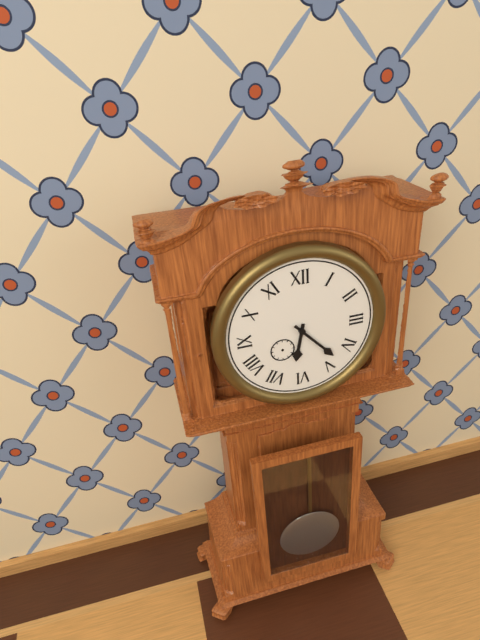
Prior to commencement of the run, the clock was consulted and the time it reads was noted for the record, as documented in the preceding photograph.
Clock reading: 6:23
